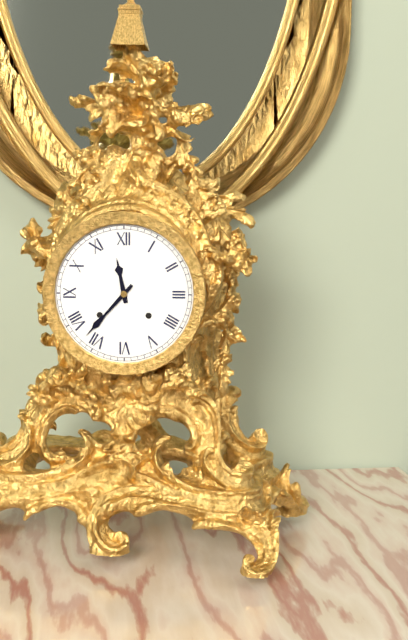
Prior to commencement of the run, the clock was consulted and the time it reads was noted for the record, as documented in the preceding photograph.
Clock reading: 11:37
